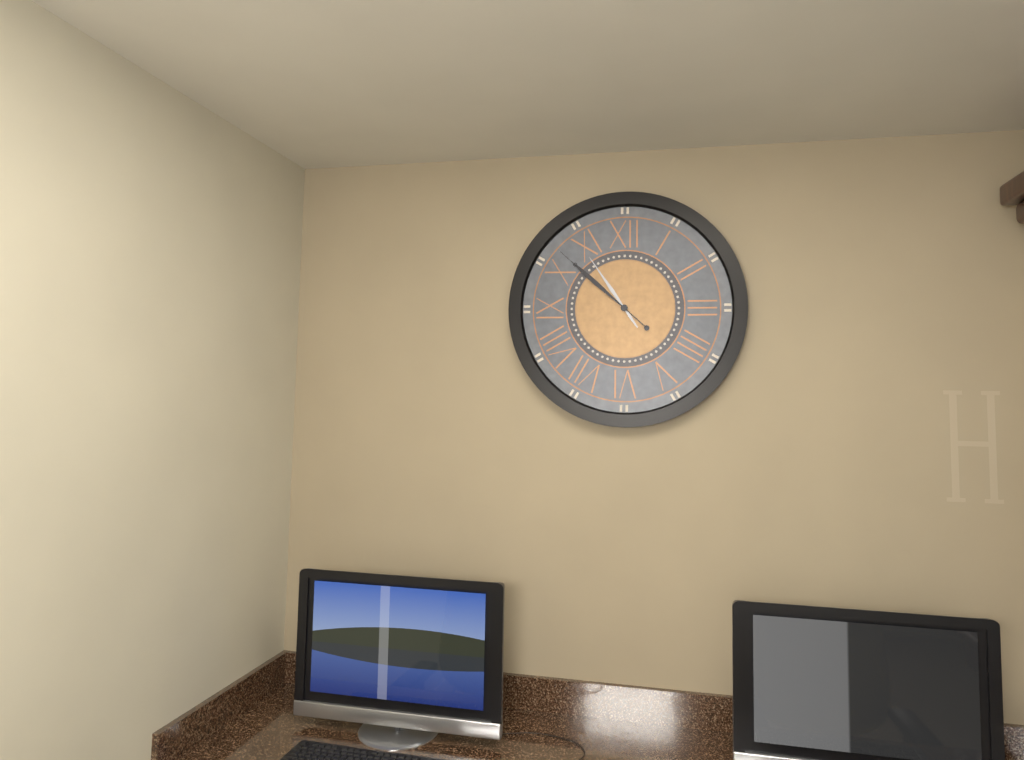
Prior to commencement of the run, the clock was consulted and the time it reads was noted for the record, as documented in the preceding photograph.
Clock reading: 10:52
